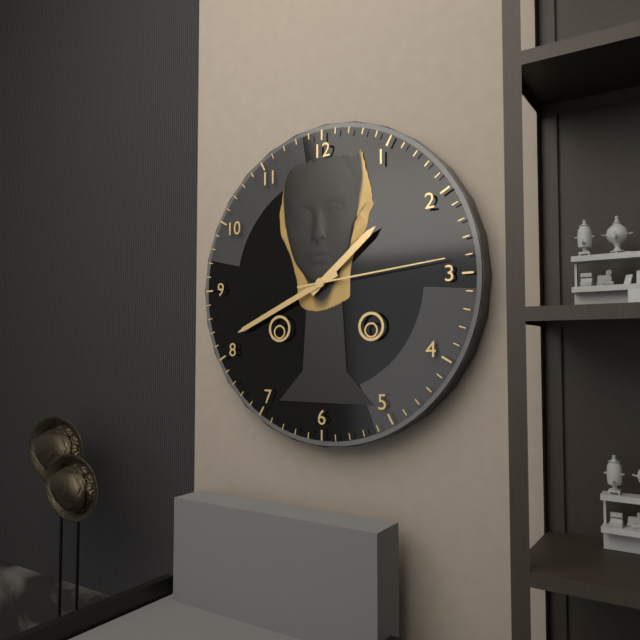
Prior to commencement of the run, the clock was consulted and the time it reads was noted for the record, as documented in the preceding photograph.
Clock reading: 1:41:14
